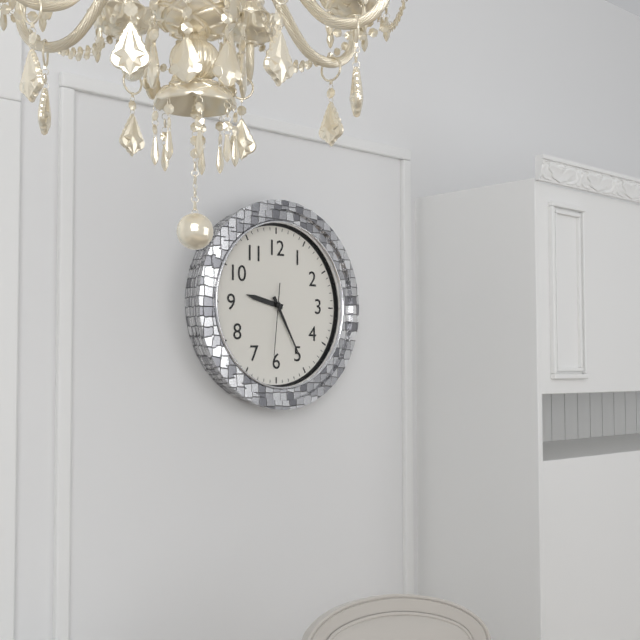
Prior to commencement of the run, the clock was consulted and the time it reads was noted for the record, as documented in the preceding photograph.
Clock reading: 9:25:31
